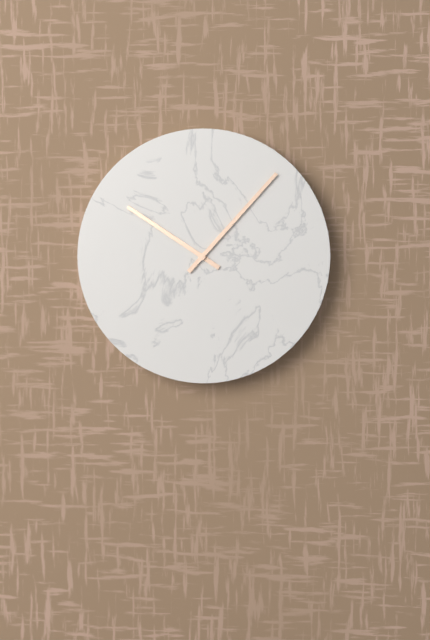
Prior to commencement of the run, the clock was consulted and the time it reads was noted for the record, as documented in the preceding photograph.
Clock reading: 10:07
